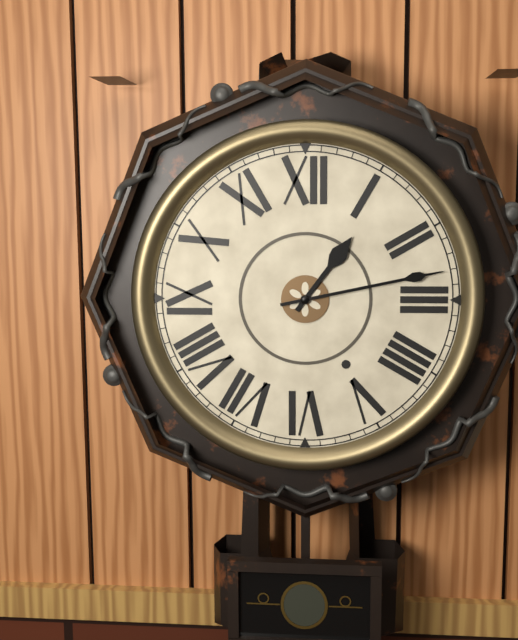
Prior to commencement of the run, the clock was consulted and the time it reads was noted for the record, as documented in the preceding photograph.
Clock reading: 1:13
